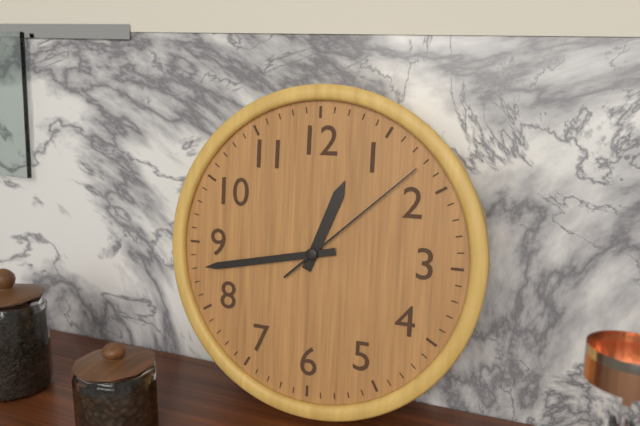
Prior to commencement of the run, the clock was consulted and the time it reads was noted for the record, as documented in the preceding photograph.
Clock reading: 12:43:08
